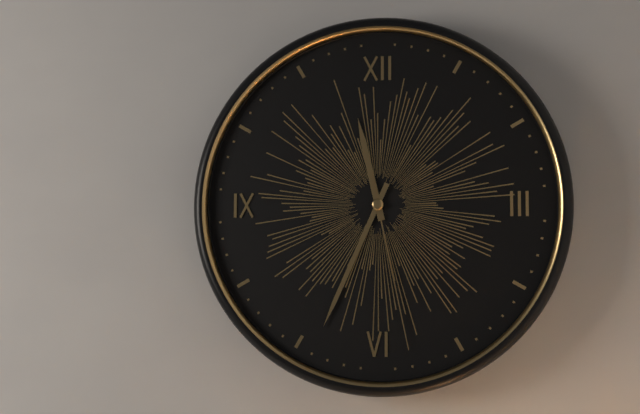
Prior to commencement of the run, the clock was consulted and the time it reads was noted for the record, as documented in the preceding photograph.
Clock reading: 11:34:28
